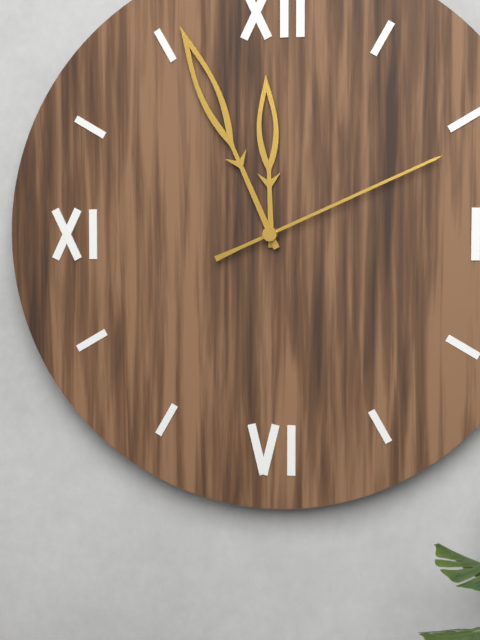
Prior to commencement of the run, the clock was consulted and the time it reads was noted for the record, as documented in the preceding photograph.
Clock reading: 11:56:11
